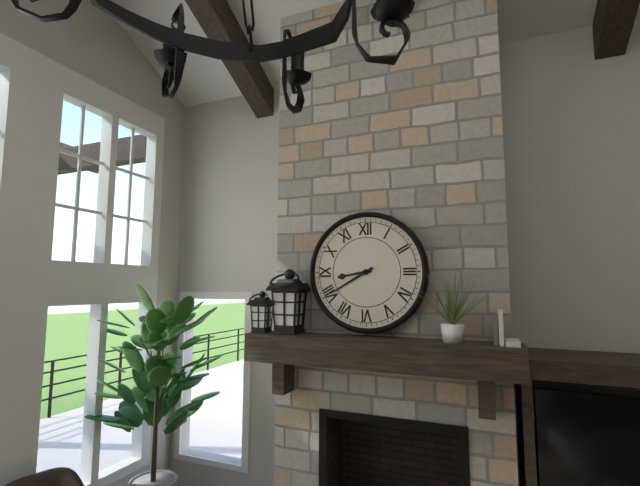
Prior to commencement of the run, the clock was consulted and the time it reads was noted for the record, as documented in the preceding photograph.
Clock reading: 8:40
